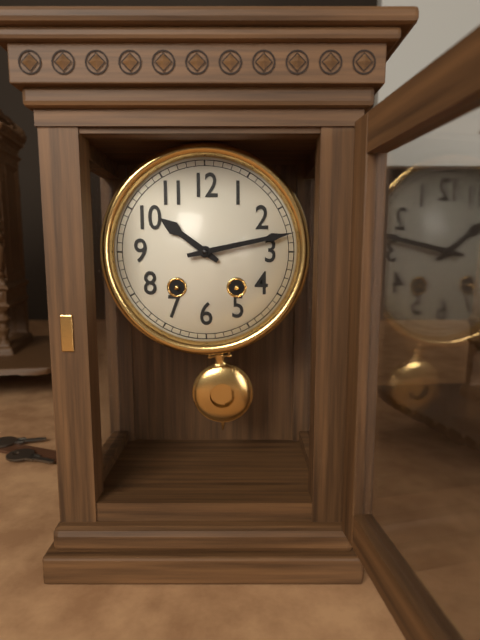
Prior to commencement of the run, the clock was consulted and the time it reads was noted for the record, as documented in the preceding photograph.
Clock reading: 10:13
